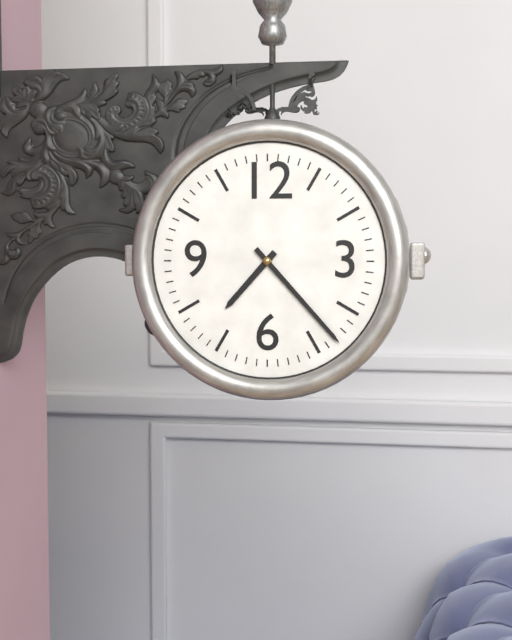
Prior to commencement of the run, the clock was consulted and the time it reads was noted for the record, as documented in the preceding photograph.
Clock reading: 7:23
